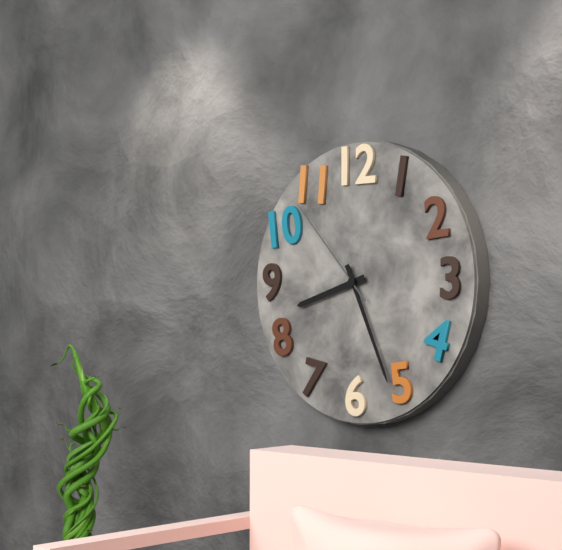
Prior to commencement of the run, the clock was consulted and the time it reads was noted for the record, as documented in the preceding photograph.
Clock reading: 8:26:53
